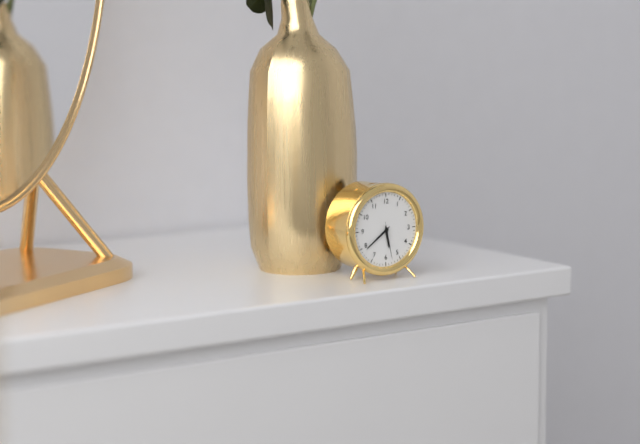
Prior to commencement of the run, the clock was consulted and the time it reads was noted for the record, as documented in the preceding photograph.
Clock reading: 5:39
